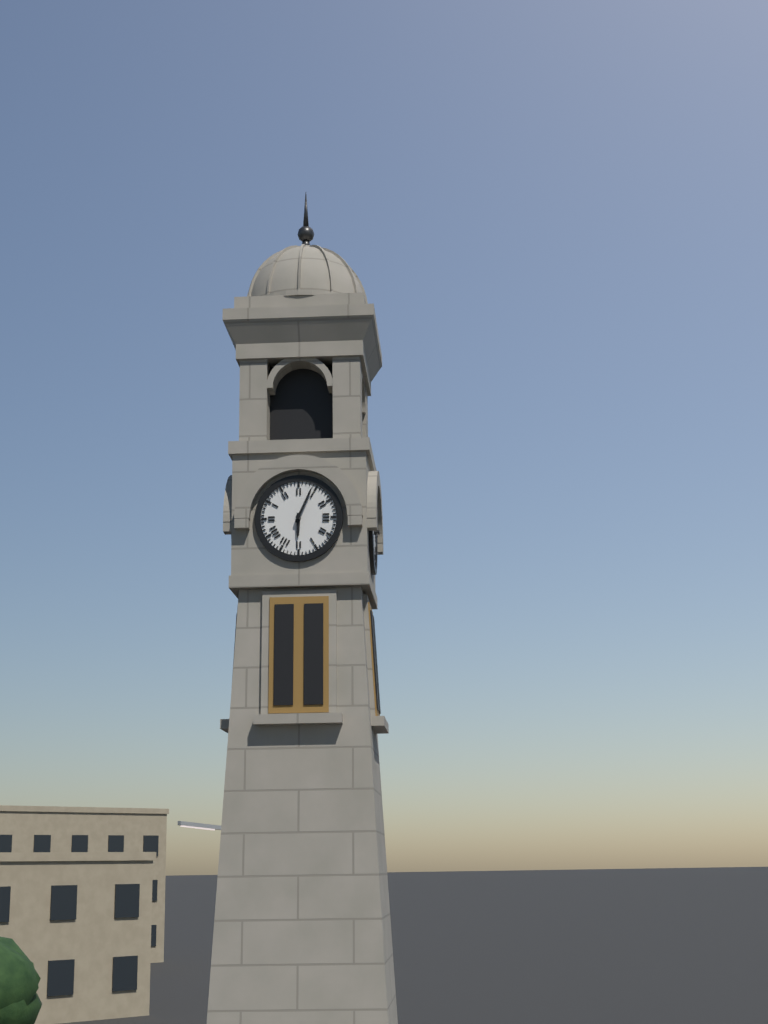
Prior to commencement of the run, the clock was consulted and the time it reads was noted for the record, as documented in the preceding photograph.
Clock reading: 6:04
